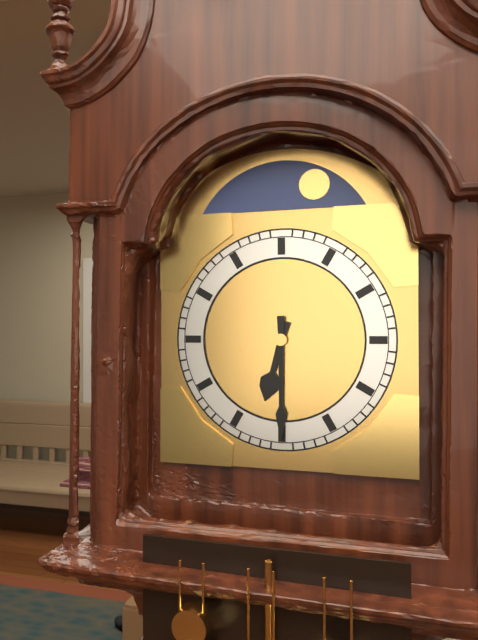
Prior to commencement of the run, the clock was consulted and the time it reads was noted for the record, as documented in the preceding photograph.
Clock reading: 6:30
